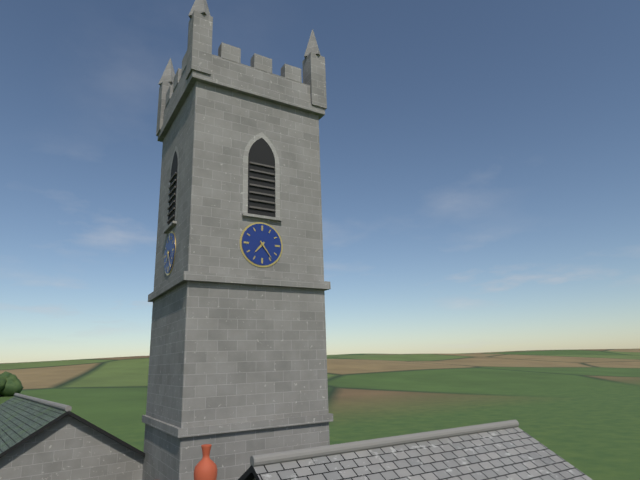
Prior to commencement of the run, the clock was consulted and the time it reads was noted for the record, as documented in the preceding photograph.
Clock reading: 7:24
